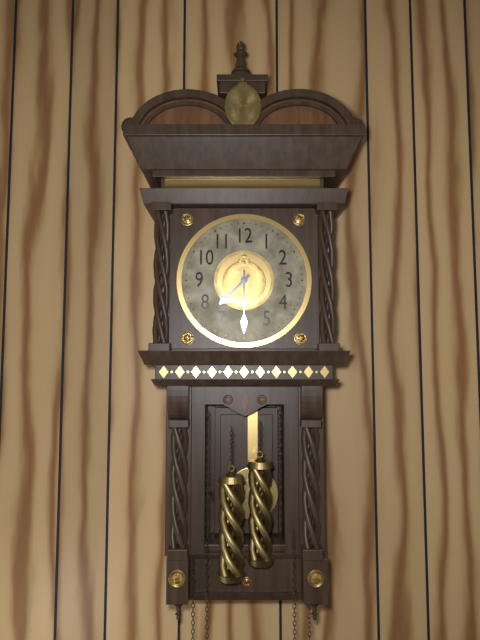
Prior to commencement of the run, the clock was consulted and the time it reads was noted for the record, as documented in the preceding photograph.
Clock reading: 7:30
